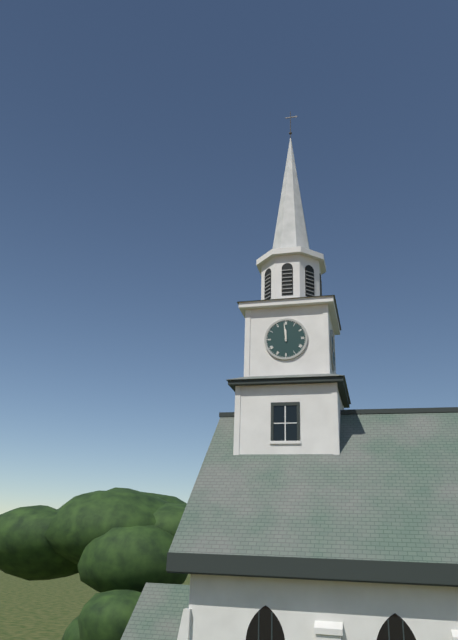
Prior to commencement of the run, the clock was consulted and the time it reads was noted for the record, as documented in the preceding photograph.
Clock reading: 11:59
